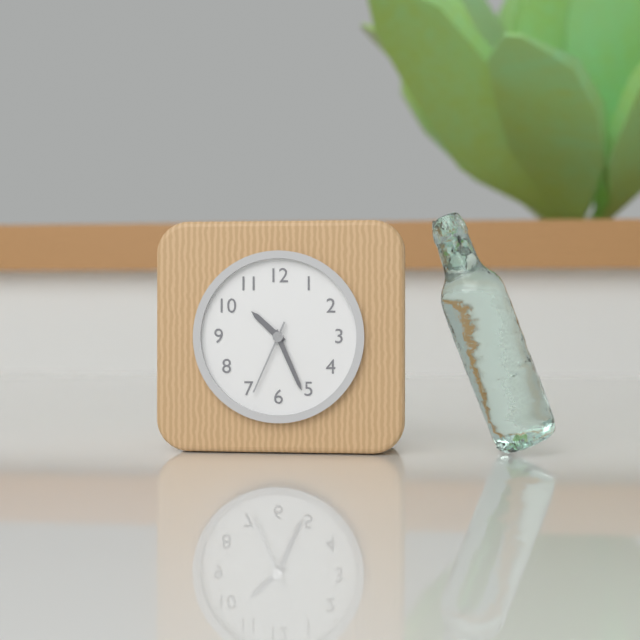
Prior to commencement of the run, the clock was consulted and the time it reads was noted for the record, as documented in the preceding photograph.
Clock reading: 10:26:34
